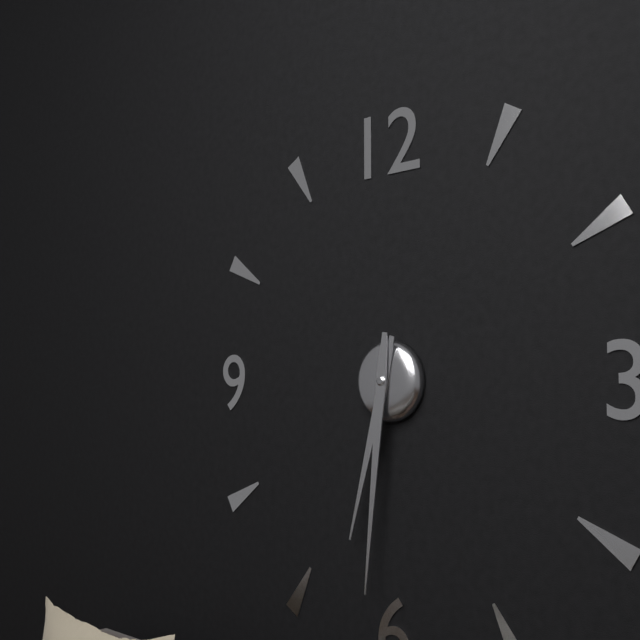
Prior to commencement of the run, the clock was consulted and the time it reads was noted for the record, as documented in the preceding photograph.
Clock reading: 6:31
